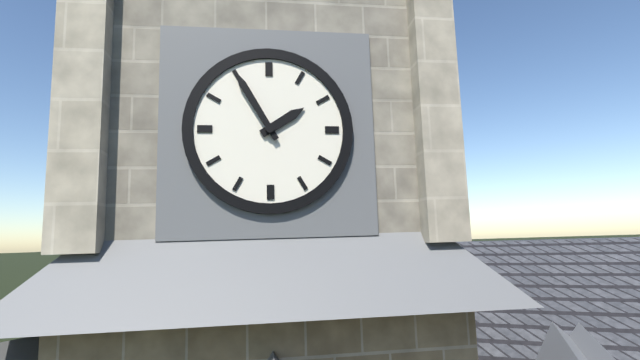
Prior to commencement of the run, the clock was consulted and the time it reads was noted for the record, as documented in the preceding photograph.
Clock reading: 1:55
